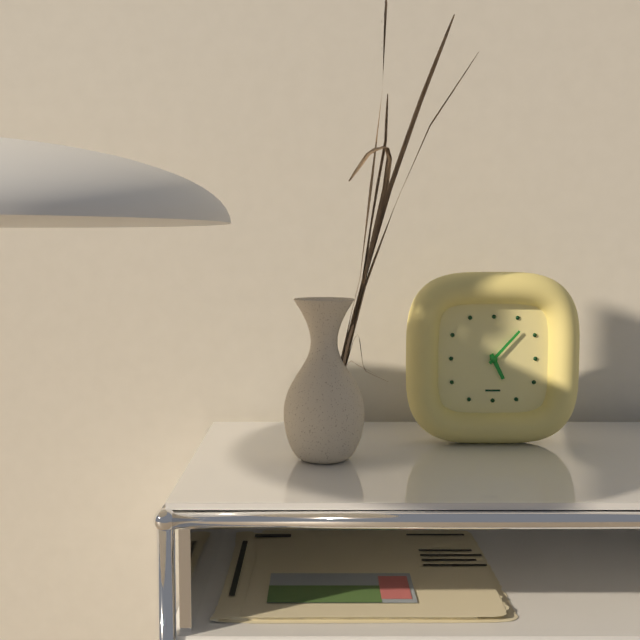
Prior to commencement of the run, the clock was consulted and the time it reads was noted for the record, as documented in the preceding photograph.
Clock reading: 5:07
